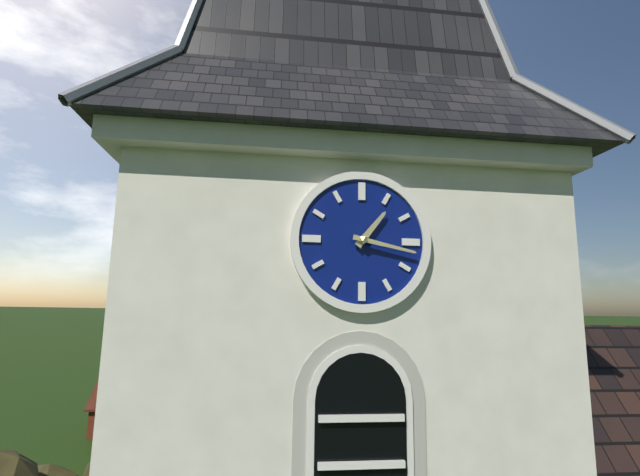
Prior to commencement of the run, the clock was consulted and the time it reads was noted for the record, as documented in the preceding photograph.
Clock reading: 1:17
